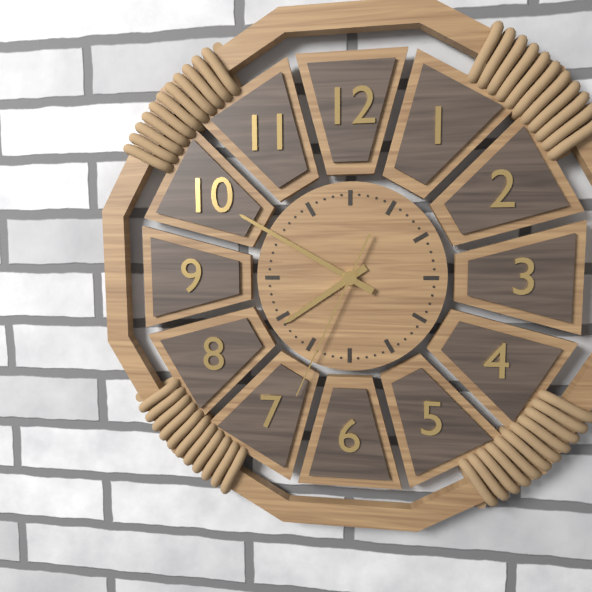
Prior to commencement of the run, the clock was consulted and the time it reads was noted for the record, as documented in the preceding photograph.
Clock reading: 7:50:34
